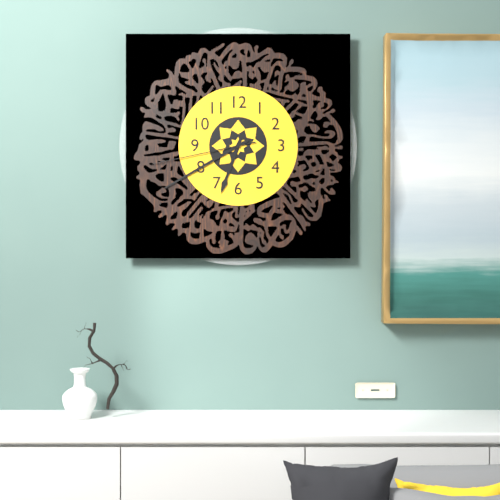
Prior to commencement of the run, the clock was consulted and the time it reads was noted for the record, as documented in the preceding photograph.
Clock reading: 6:40:43
